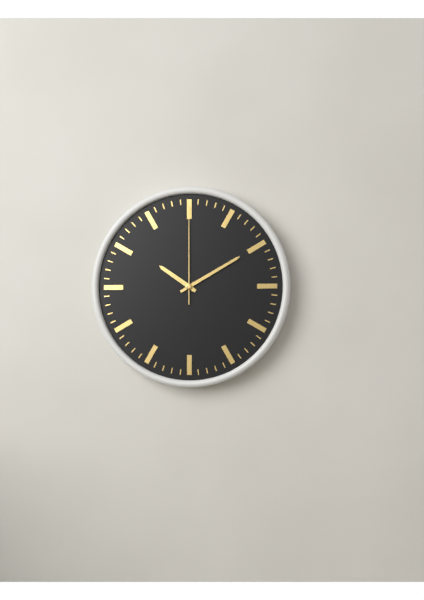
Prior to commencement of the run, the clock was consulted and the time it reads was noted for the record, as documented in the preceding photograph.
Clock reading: 10:10:00
